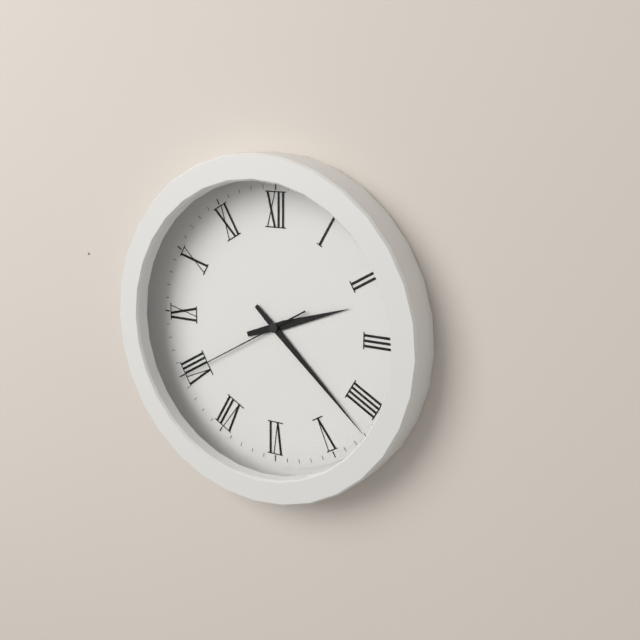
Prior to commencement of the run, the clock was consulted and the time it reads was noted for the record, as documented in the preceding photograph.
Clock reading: 2:22:40
